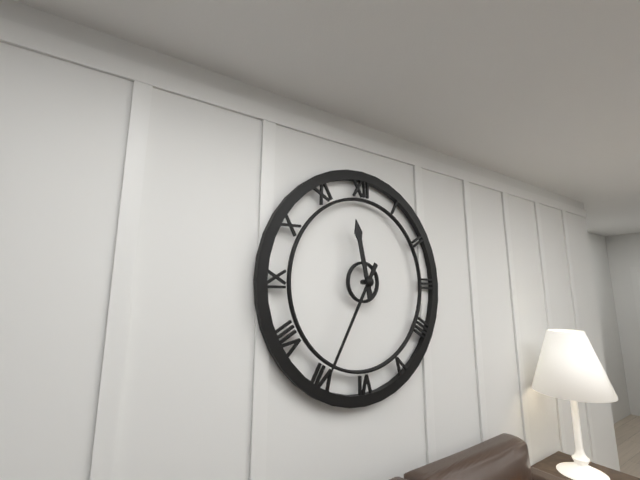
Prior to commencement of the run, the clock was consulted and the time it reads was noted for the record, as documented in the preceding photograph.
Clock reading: 11:35
